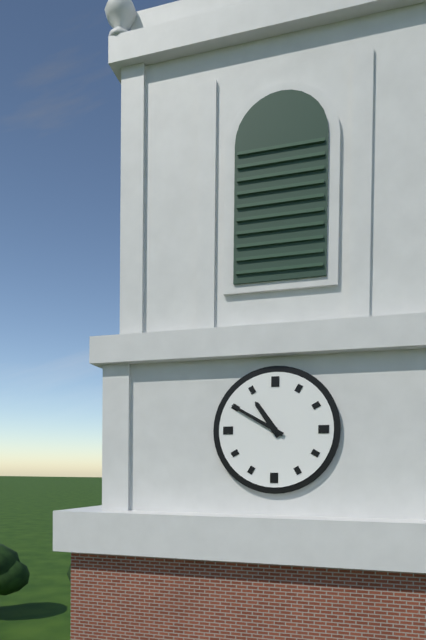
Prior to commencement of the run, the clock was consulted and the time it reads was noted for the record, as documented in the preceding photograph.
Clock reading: 10:50
